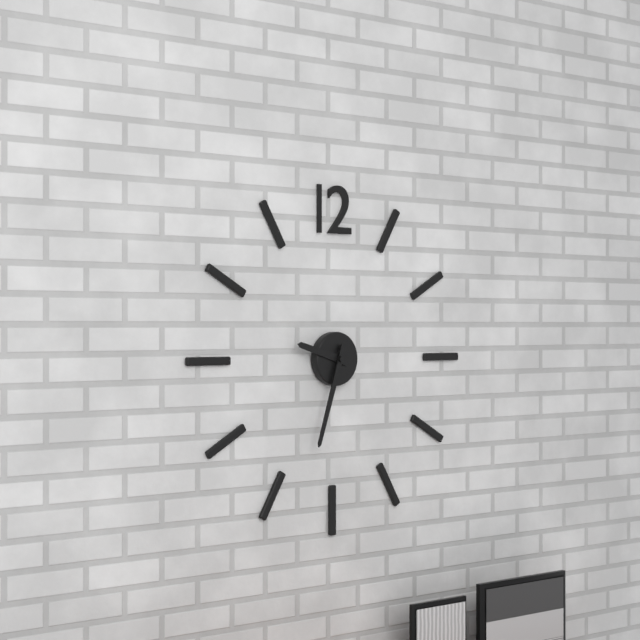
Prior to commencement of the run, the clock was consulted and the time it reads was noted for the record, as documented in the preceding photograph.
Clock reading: 9:33
